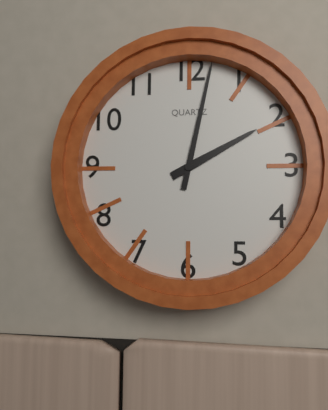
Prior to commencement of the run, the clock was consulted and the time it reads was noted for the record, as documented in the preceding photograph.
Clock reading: 2:02
